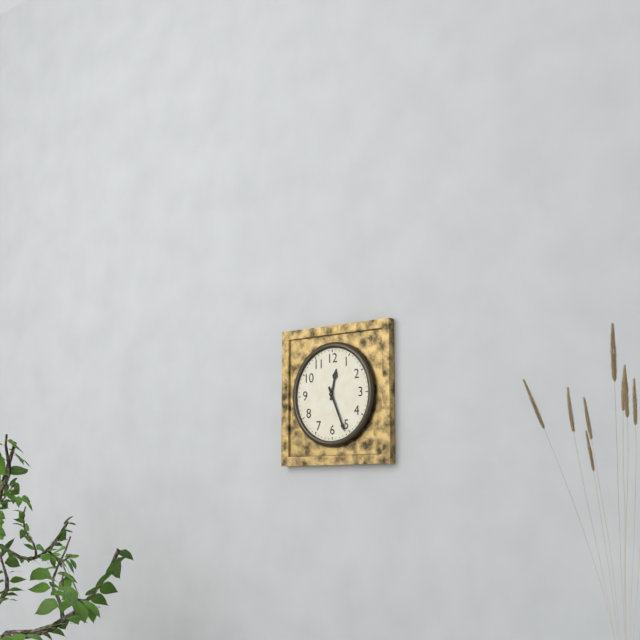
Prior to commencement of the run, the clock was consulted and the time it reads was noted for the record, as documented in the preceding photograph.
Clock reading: 12:26
